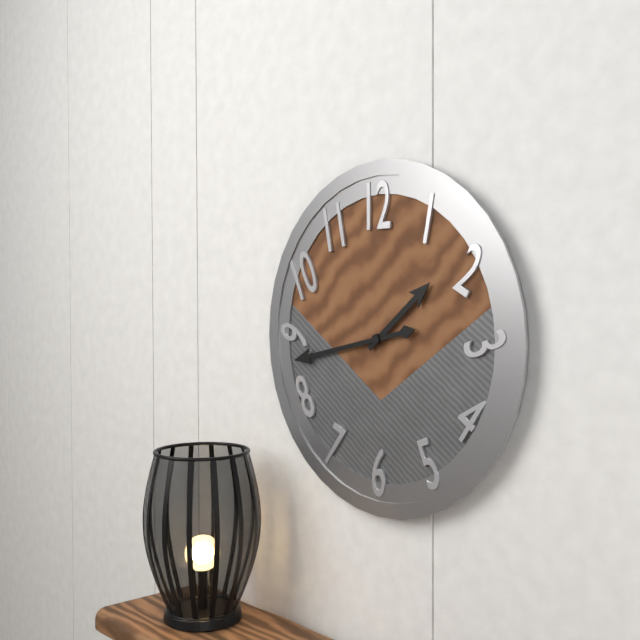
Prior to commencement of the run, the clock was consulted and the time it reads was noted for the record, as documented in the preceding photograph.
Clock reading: 1:43
